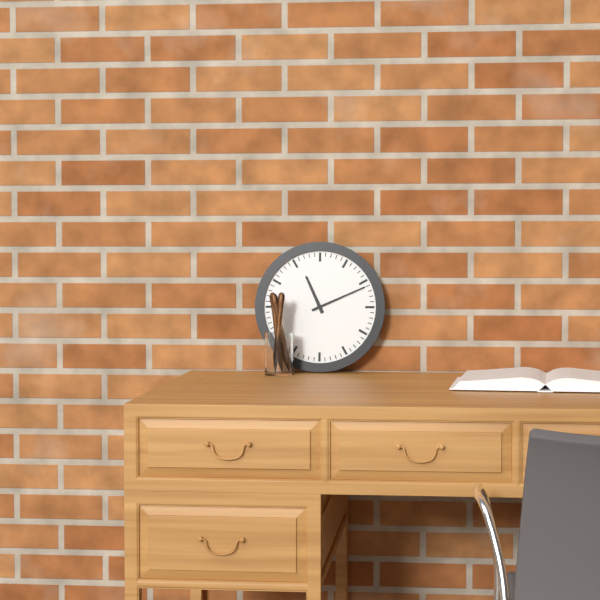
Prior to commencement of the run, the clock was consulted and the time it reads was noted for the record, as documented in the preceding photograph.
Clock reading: 11:11
